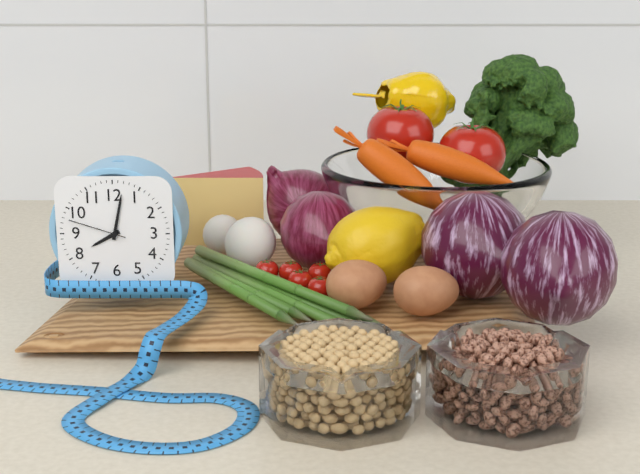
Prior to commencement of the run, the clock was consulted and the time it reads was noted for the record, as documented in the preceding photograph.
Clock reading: 8:02:48
